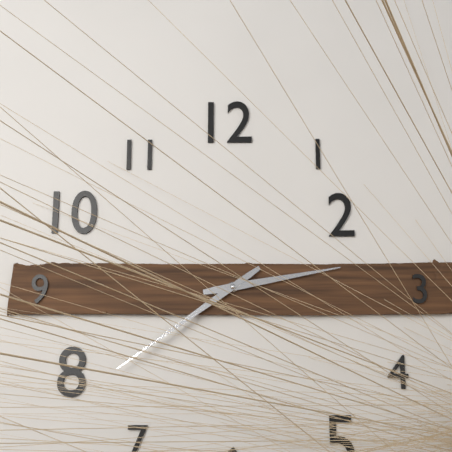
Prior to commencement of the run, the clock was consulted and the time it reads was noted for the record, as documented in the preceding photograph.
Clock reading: 2:39
